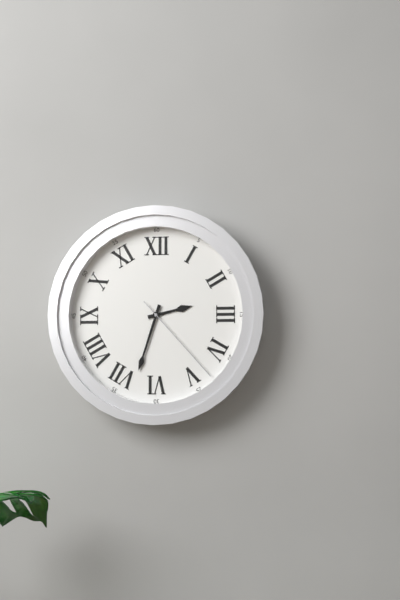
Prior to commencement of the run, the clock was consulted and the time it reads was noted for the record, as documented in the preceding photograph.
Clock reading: 2:33:23
